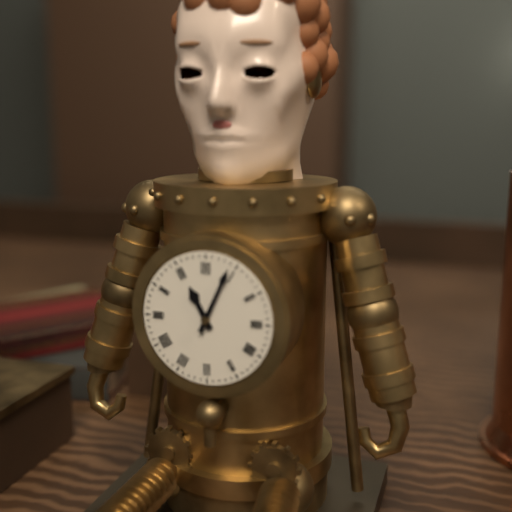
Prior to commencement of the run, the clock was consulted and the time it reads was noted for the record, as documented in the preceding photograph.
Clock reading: 11:04
